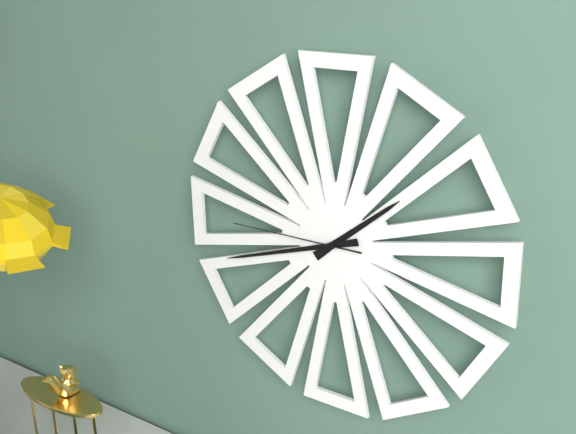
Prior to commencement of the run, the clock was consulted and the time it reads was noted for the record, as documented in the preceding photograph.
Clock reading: 1:42:45
